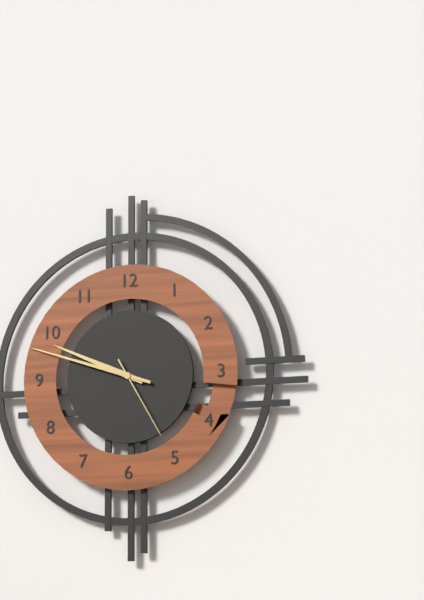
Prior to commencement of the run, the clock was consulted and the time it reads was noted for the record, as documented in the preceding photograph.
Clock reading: 9:48:25
